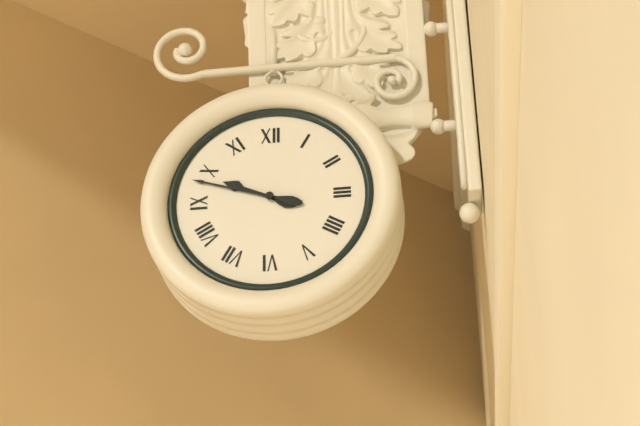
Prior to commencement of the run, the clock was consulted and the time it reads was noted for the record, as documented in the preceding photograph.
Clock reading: 9:48
